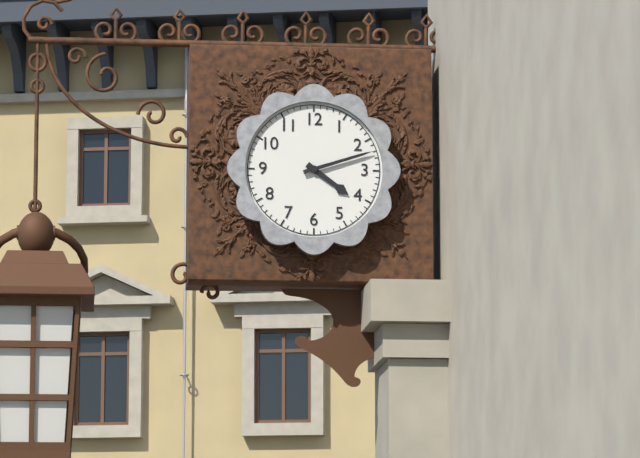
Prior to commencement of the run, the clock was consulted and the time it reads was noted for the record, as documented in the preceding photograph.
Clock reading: 4:12
